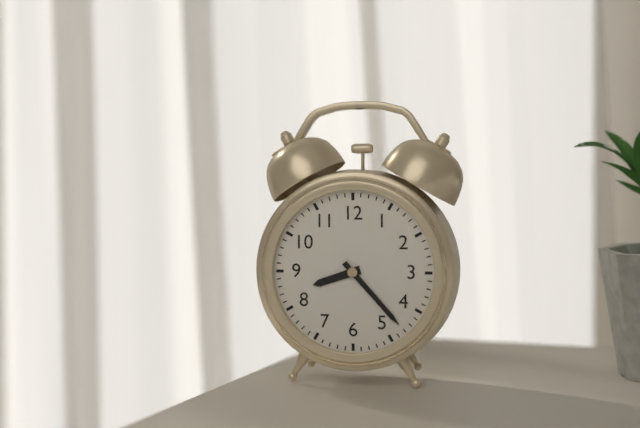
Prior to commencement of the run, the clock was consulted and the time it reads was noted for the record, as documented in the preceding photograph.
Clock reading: 8:23
